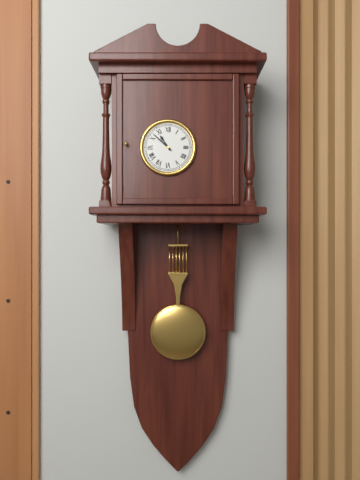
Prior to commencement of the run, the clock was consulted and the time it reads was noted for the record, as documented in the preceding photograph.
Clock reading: 10:52
